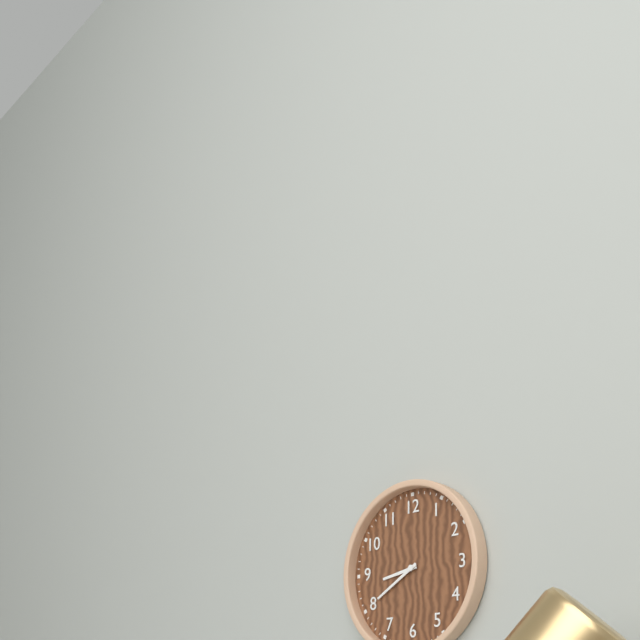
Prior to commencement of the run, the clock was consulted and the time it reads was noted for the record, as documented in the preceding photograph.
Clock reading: 8:40
